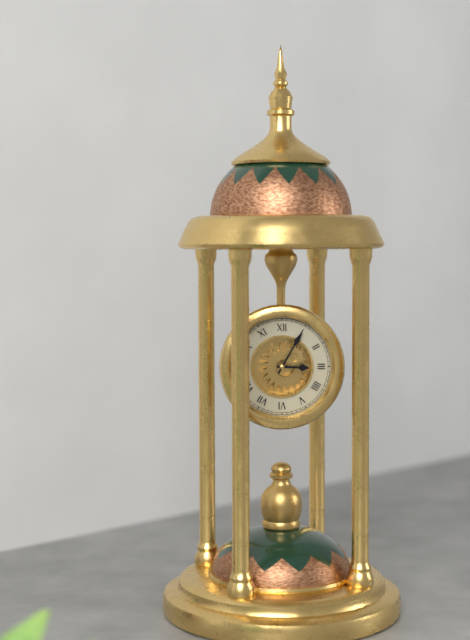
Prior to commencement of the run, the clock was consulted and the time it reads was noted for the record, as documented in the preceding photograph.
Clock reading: 3:05
